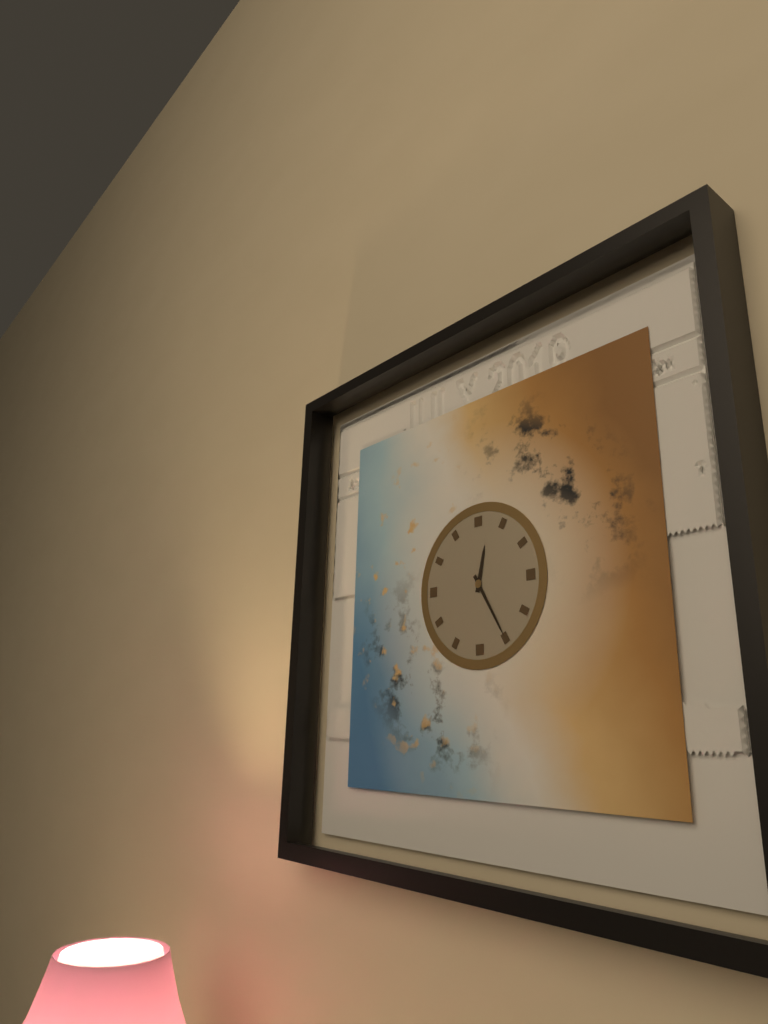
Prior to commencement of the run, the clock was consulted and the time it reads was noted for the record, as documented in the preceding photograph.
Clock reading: 12:25
